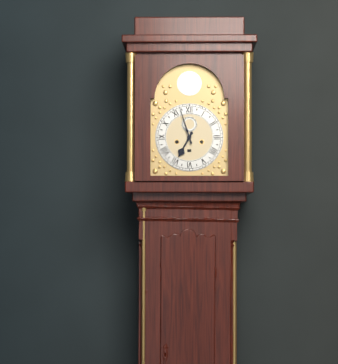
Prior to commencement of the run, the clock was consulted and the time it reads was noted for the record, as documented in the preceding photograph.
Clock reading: 6:57
